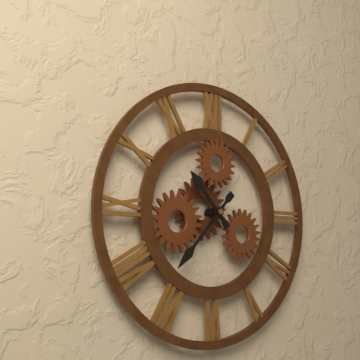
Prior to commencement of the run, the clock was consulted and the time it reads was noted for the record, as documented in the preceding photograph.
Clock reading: 10:37
